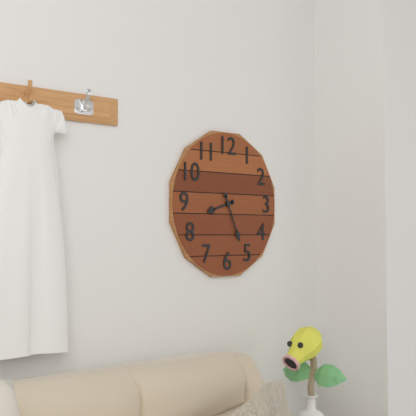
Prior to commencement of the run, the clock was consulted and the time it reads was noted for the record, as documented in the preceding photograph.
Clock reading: 8:26
